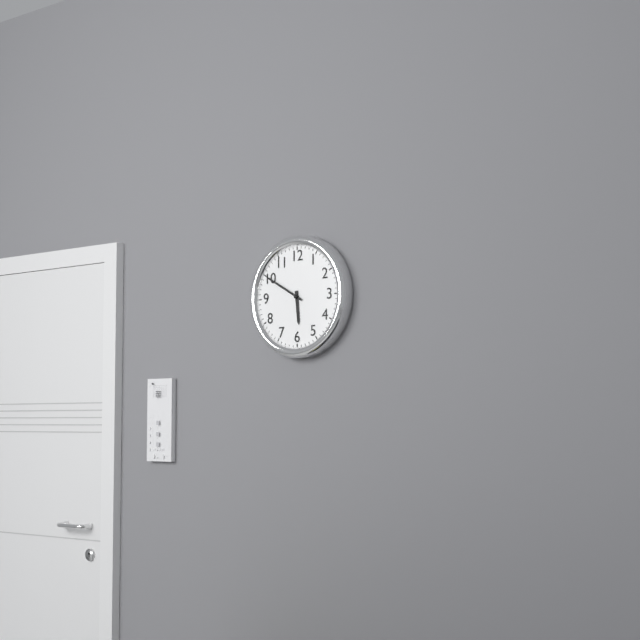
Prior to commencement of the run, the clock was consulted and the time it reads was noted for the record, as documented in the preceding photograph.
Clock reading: 5:50
